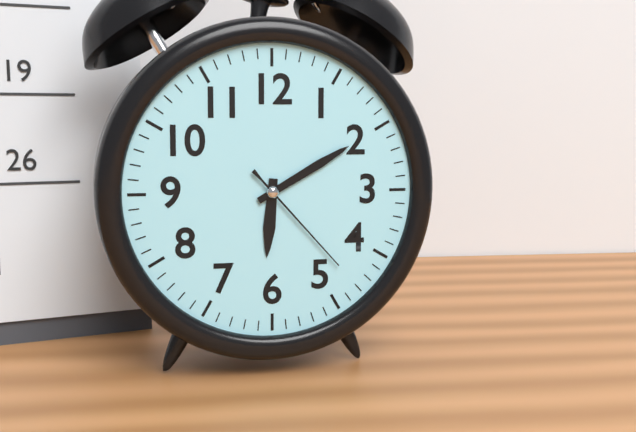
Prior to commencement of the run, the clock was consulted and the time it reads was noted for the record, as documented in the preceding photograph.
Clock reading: 6:10:23
